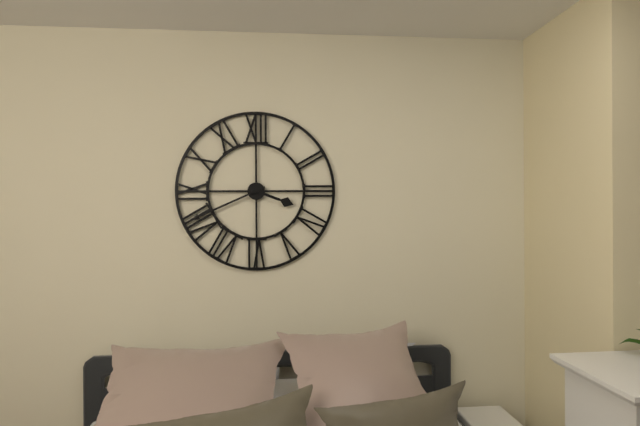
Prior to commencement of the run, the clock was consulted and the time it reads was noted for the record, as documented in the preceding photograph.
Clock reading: 3:41
